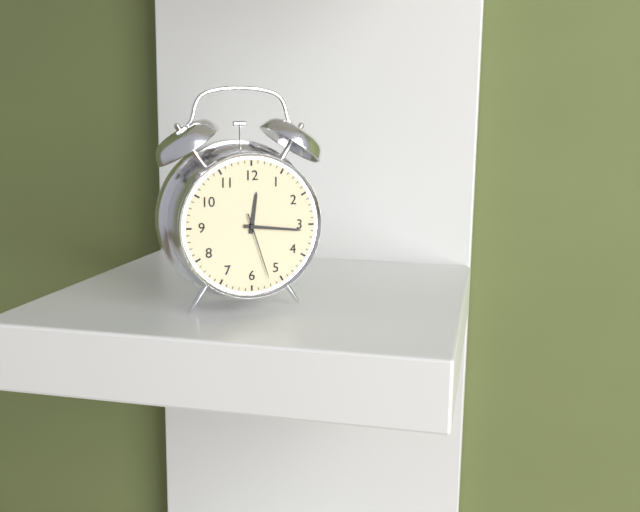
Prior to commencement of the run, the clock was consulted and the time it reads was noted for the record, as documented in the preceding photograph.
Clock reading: 12:16:27
